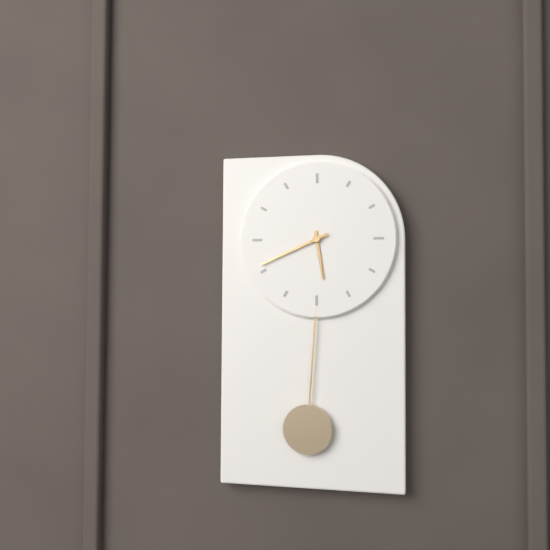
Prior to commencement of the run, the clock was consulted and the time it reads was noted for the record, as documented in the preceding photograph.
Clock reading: 5:41
